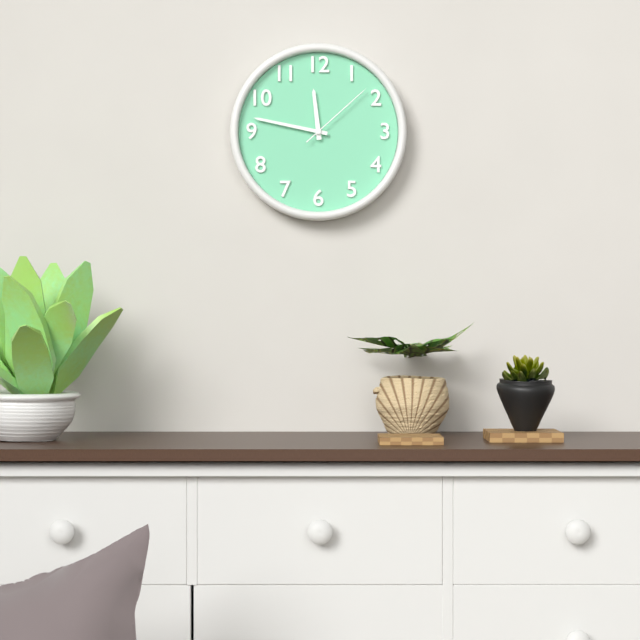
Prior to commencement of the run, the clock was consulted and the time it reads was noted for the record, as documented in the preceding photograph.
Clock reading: 11:47:08
